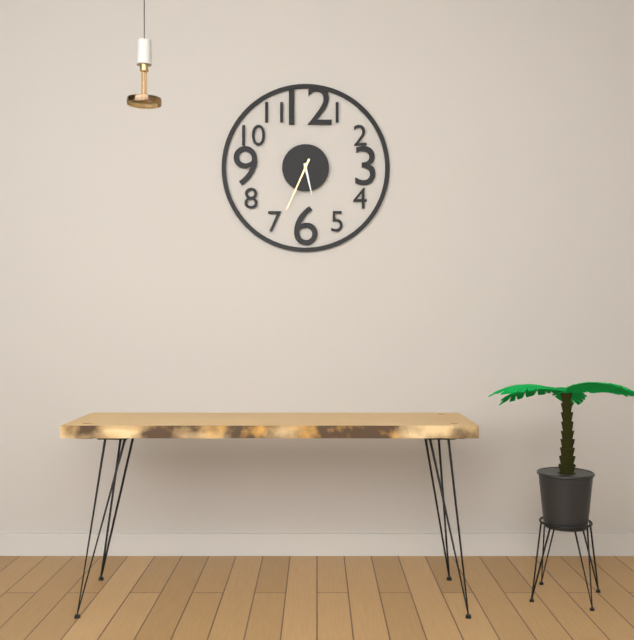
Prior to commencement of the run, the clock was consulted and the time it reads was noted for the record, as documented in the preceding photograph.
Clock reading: 5:34
